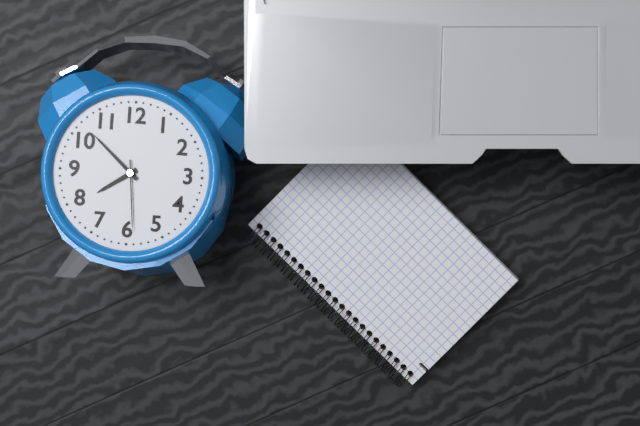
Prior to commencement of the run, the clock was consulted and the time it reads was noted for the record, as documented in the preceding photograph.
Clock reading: 7:52:29
